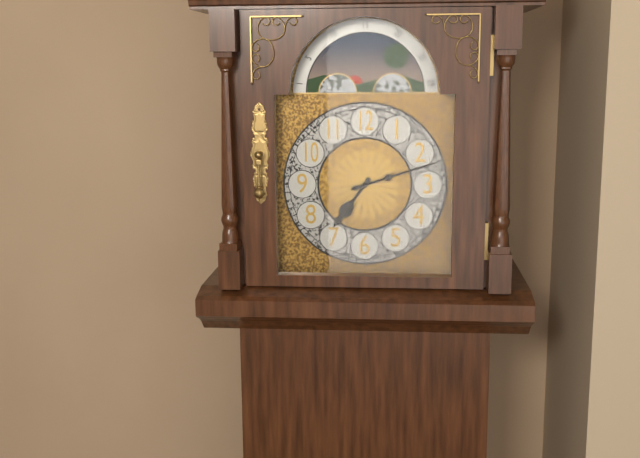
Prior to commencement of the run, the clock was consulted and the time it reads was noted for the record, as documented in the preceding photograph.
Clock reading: 7:12
